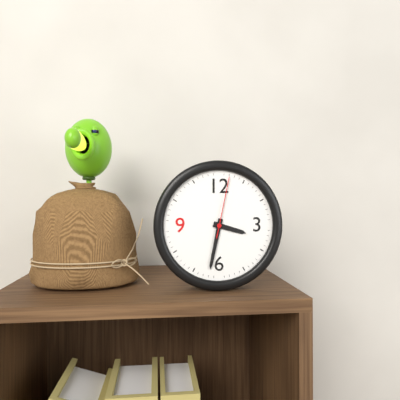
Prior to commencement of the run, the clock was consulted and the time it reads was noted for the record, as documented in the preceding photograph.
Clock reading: 3:32:02
